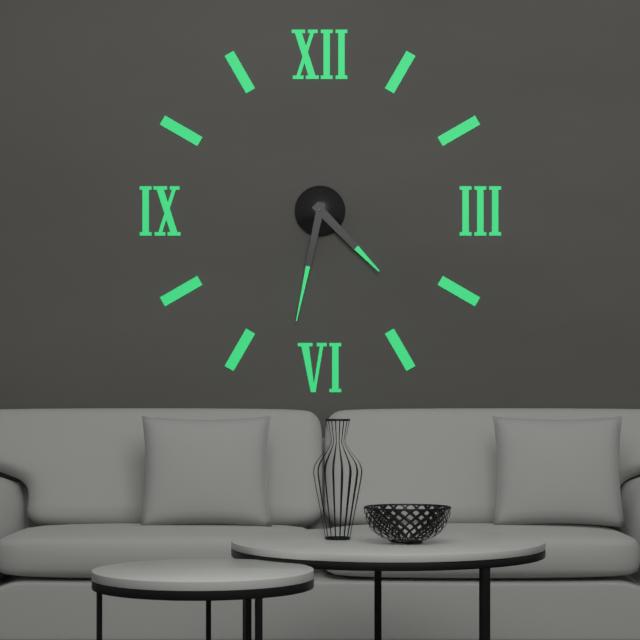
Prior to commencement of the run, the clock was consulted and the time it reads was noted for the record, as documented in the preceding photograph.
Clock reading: 4:32
